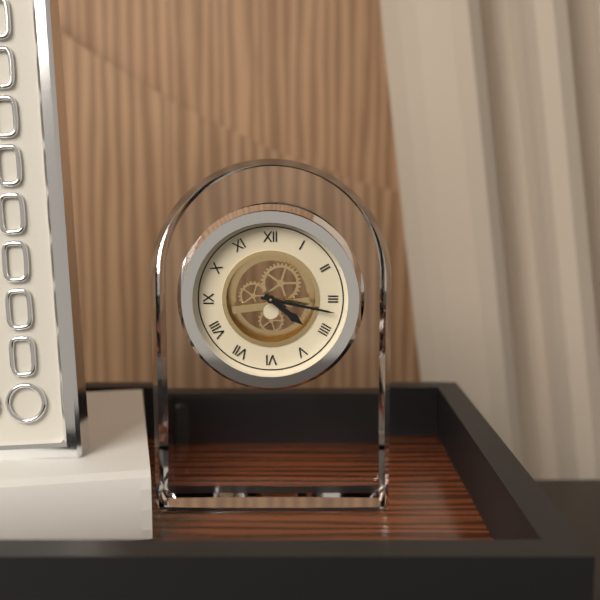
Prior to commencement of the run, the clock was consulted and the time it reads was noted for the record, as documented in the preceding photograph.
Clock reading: 4:17
